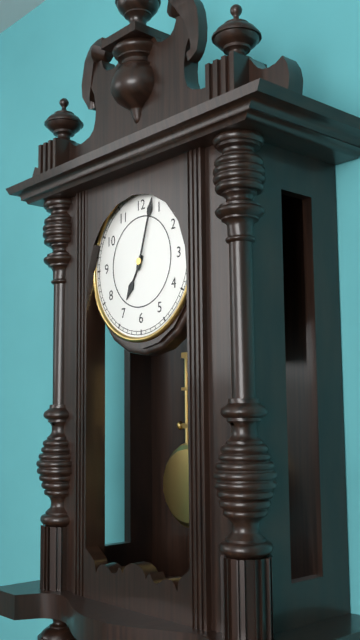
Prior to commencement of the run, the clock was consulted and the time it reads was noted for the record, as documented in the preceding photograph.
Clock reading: 7:03
